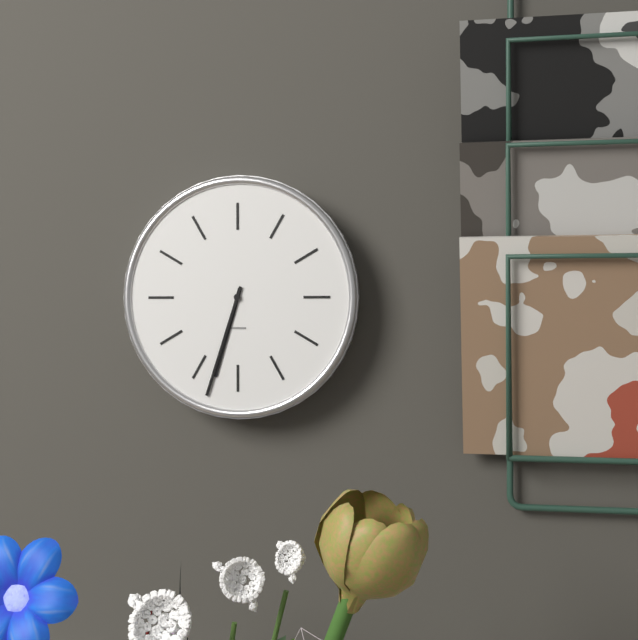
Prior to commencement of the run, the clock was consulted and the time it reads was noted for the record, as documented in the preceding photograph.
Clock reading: 6:33
